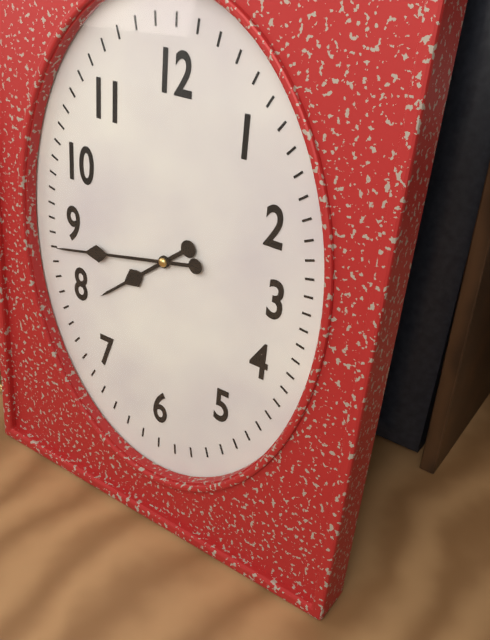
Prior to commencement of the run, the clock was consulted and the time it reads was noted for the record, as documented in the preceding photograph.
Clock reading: 7:43
